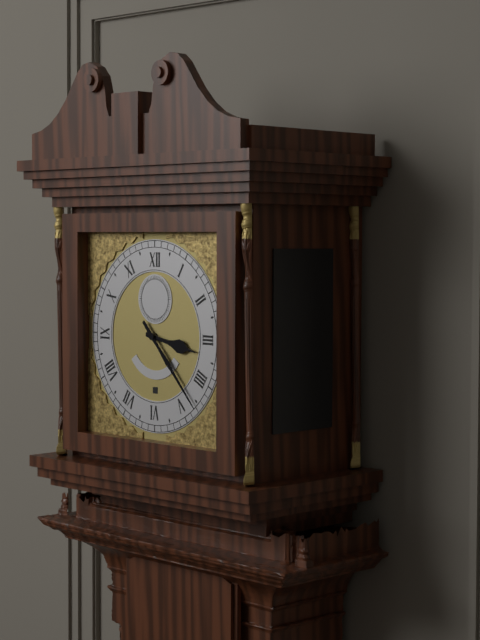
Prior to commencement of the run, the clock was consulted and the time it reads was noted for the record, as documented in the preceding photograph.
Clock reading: 3:23
